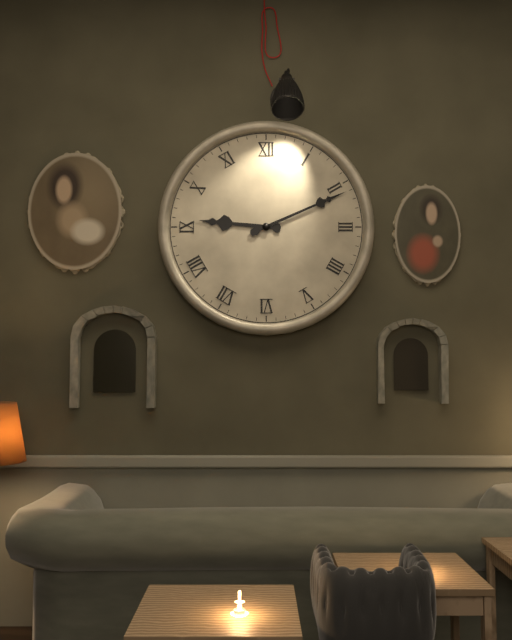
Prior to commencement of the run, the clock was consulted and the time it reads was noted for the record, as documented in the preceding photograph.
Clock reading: 9:11
